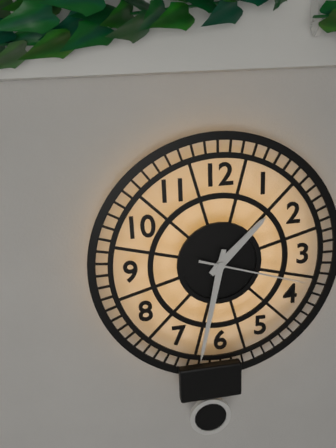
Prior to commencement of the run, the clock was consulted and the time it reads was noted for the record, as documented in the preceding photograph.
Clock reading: 1:32:18
